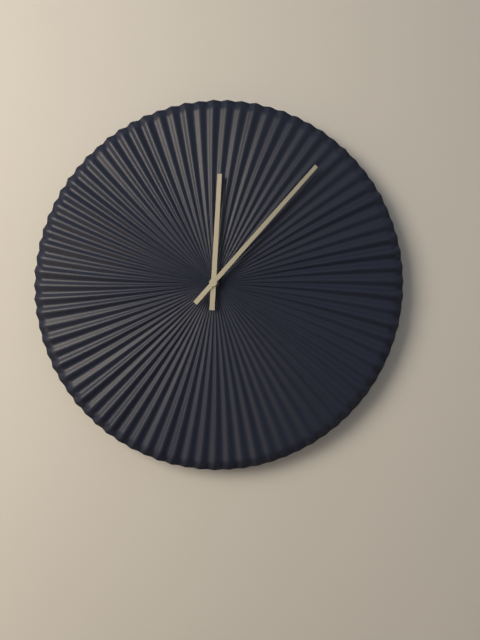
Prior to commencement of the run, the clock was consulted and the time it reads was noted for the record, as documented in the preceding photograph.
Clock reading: 12:07
